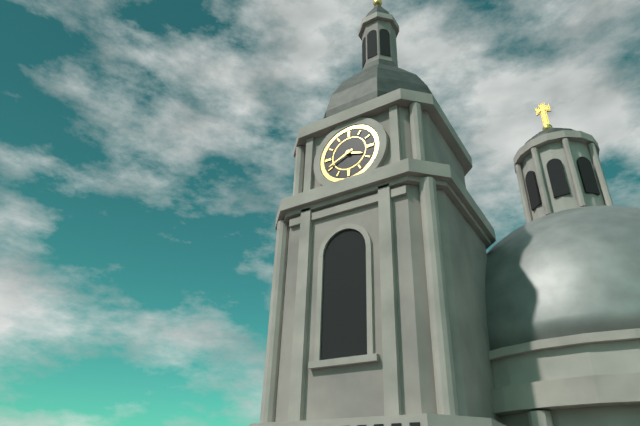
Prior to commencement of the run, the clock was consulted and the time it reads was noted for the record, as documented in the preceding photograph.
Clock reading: 3:41
